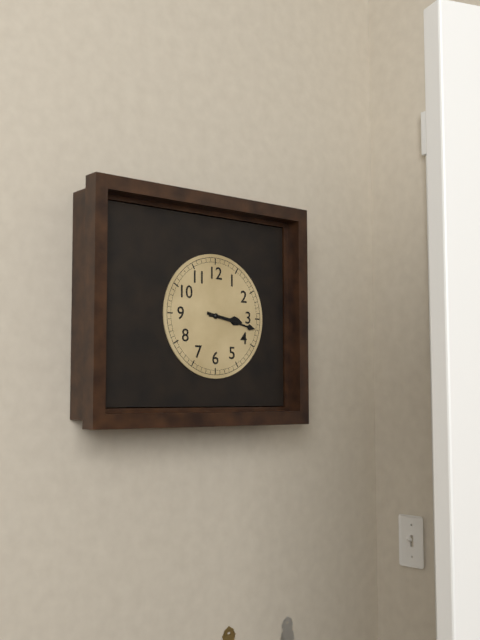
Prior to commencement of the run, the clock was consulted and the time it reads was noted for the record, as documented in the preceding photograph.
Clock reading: 3:17
